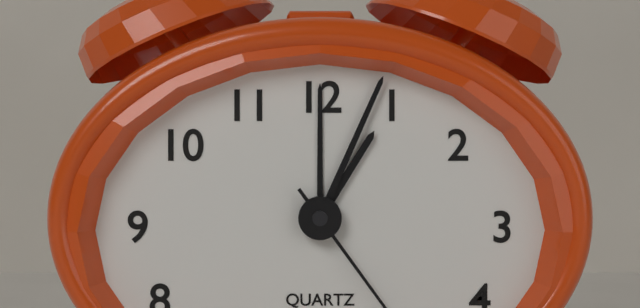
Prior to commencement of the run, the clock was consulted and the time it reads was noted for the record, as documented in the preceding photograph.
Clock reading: 1:04
